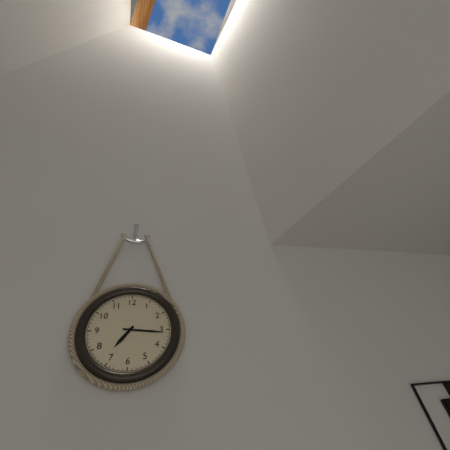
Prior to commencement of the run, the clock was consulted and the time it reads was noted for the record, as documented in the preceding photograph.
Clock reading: 7:16
